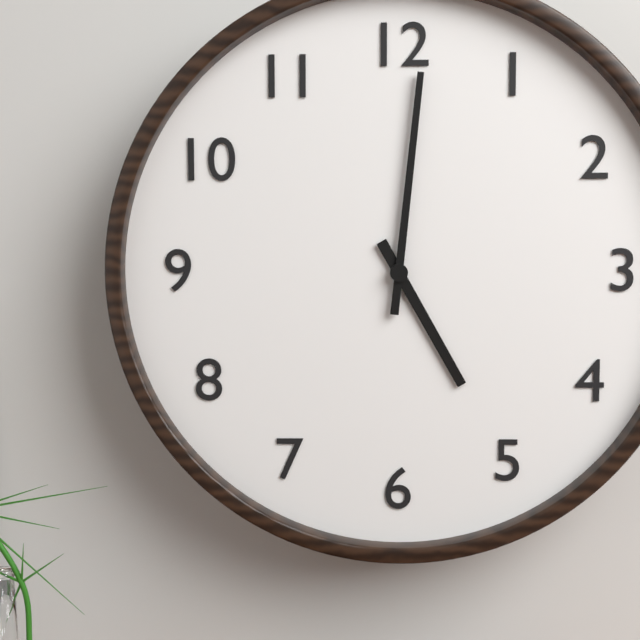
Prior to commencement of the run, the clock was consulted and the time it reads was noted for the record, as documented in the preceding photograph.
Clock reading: 5:01
